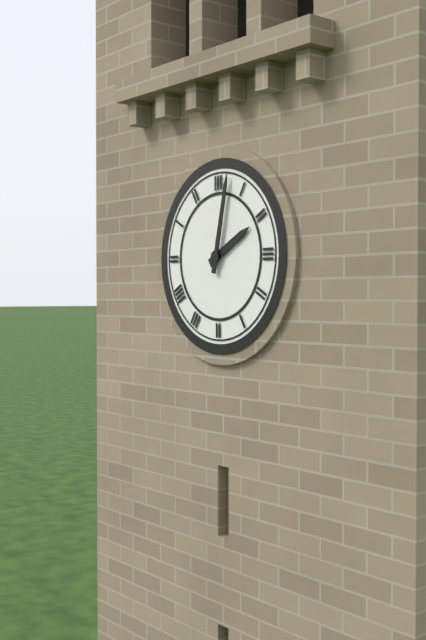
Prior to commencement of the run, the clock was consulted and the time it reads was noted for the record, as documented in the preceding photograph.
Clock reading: 2:02
